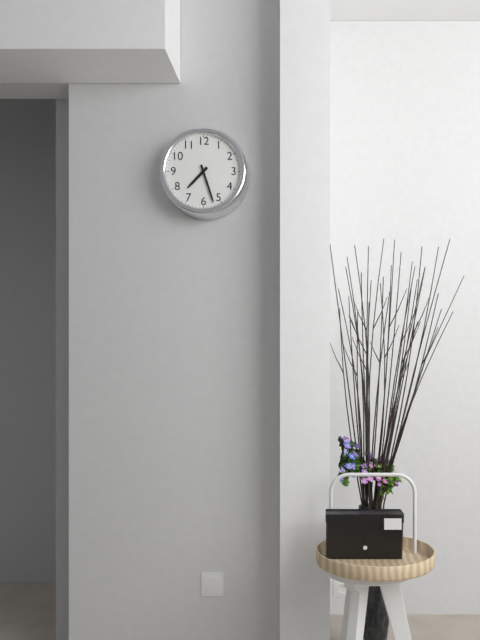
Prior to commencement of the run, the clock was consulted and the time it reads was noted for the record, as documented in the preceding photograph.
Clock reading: 7:27
